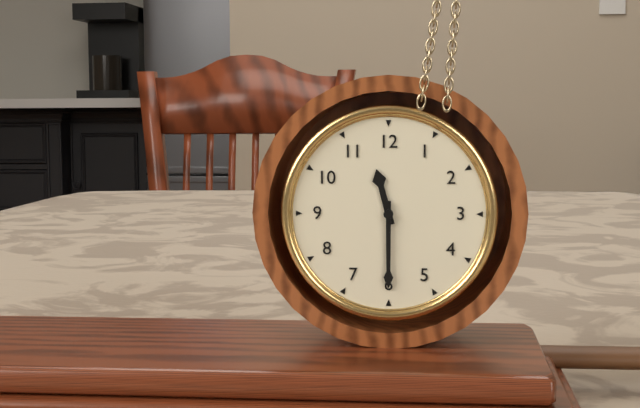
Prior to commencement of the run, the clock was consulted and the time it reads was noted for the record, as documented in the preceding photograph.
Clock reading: 11:30
